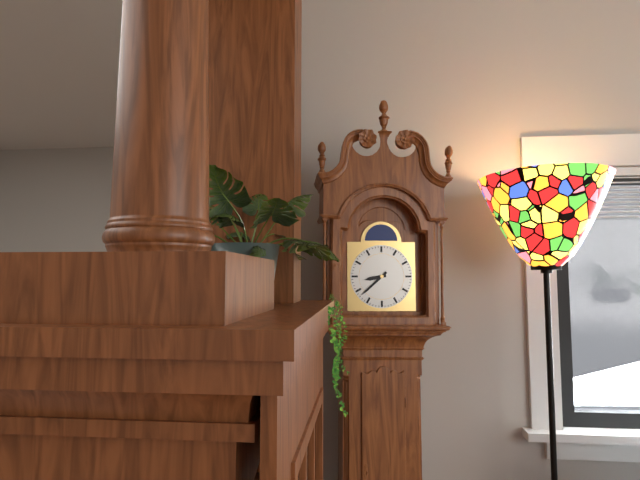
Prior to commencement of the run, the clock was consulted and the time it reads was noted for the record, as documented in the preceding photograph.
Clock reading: 8:38
